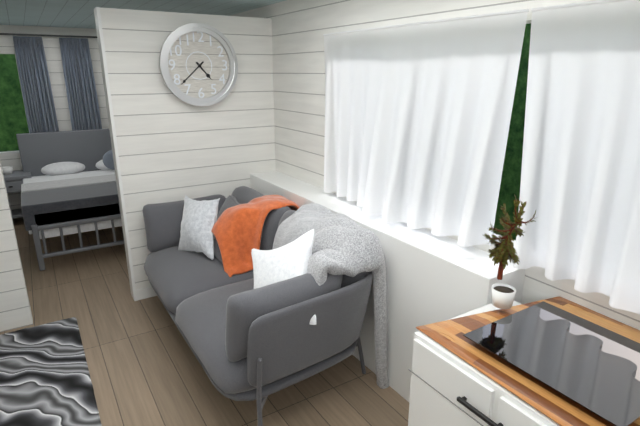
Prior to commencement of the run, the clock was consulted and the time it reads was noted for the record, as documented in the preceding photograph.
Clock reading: 4:38
